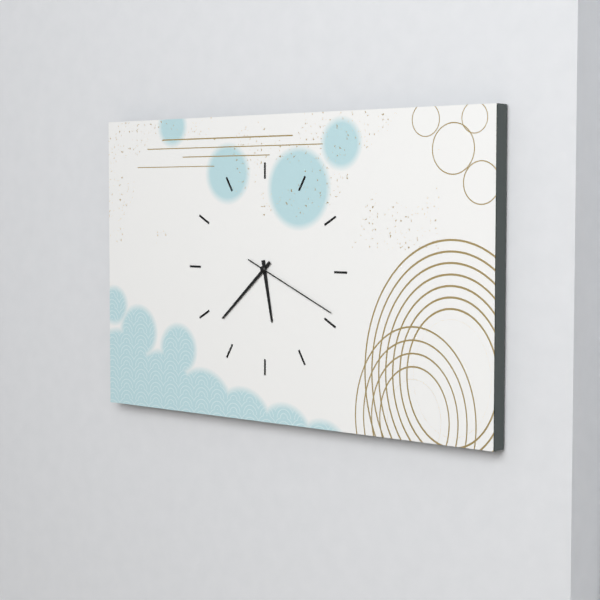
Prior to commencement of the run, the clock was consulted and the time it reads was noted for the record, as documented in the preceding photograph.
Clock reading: 5:38:19
